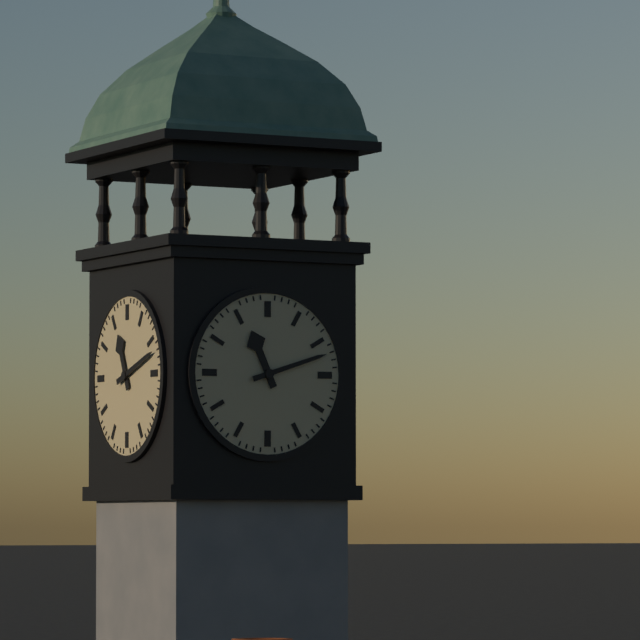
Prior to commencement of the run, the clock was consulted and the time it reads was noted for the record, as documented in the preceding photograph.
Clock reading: 11:12
